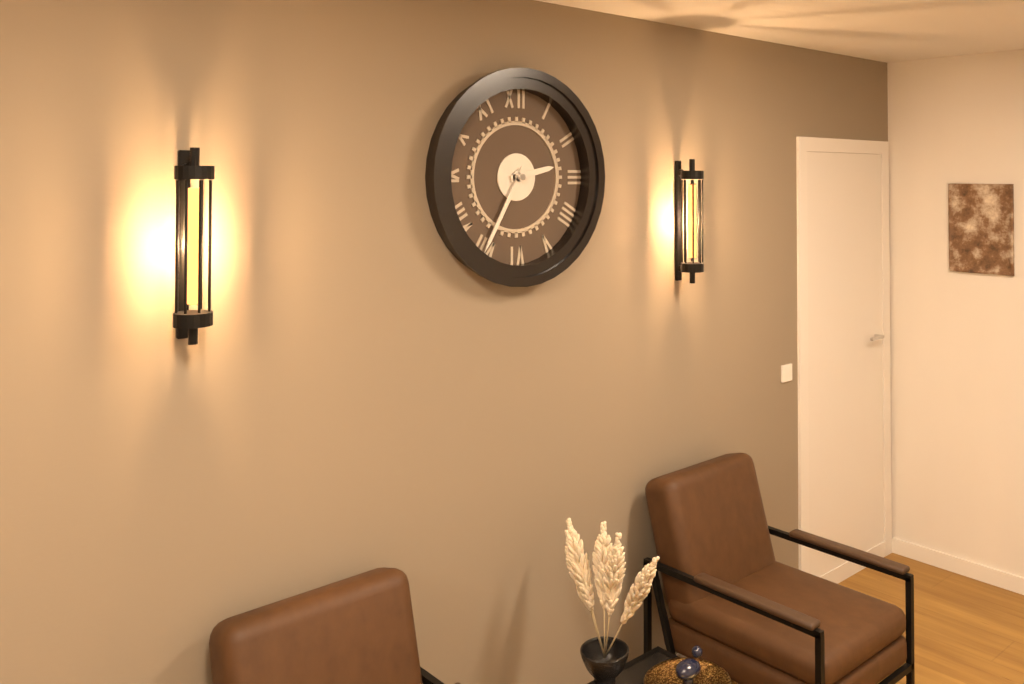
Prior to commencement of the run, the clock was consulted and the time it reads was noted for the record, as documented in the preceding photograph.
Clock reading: 2:35
